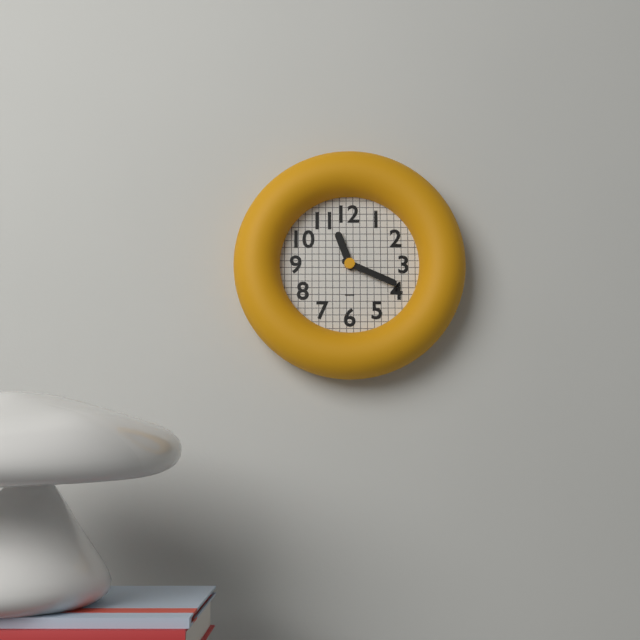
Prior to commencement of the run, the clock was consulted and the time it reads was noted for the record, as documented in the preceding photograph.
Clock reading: 11:19
